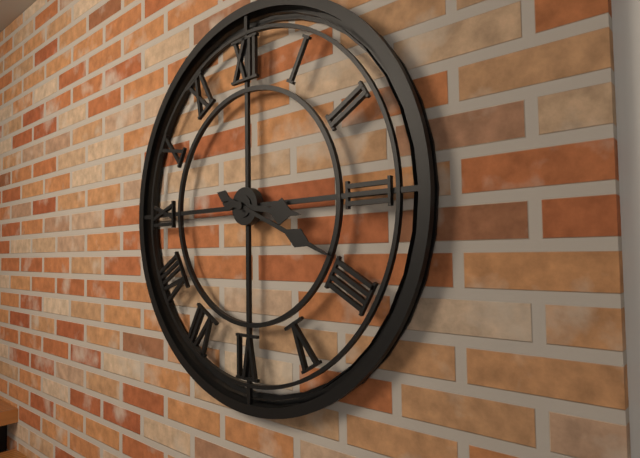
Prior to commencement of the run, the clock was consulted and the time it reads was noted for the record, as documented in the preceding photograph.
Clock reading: 3:19
